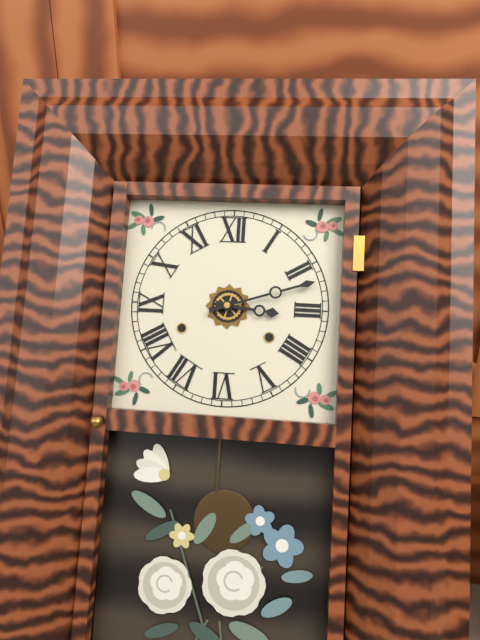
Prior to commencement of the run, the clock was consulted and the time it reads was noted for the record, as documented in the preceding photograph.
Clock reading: 3:12
